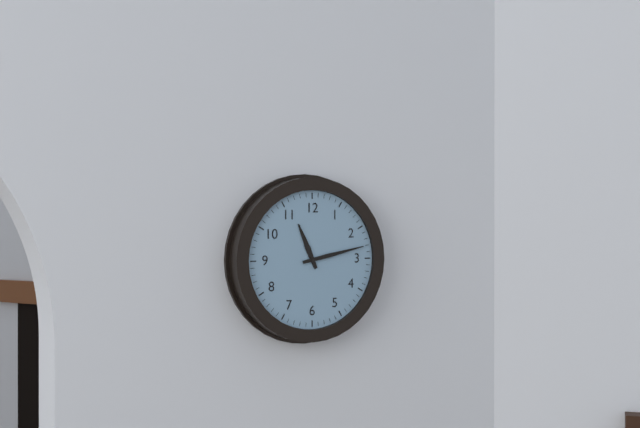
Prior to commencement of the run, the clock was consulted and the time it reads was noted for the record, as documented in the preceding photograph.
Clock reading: 11:13
